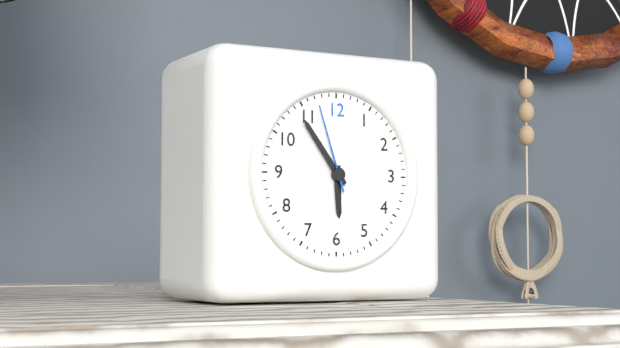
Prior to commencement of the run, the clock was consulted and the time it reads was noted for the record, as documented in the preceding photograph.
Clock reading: 5:54:57
